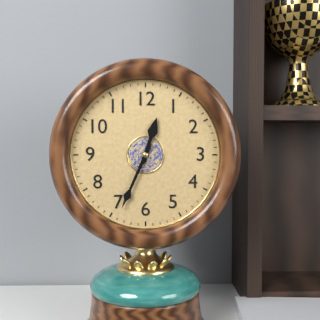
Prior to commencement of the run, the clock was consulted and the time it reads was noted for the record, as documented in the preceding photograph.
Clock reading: 12:34
